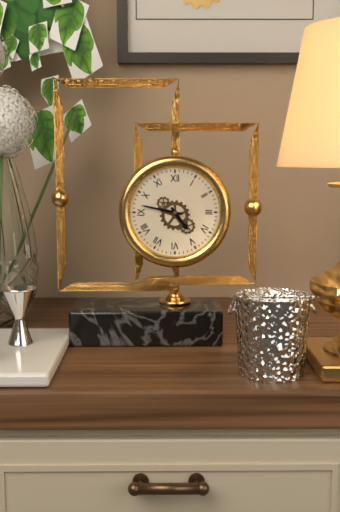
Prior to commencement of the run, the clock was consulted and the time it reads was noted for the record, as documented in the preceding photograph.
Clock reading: 4:47
